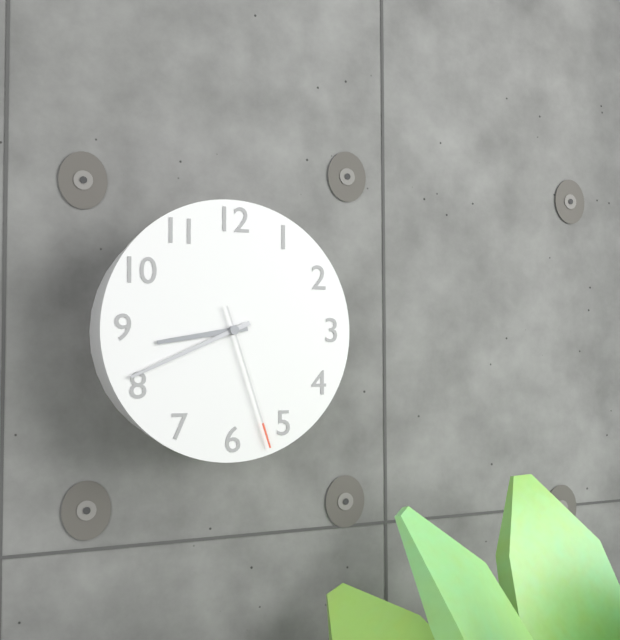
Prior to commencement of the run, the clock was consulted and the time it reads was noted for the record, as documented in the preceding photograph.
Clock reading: 8:41:27
